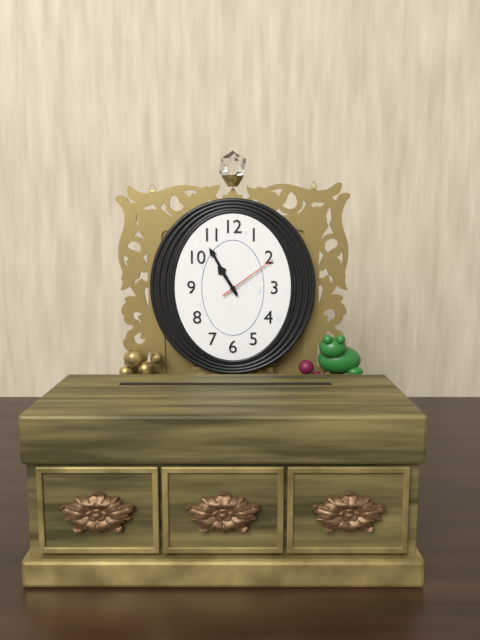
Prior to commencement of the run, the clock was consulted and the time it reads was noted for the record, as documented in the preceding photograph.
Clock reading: 10:55:09
